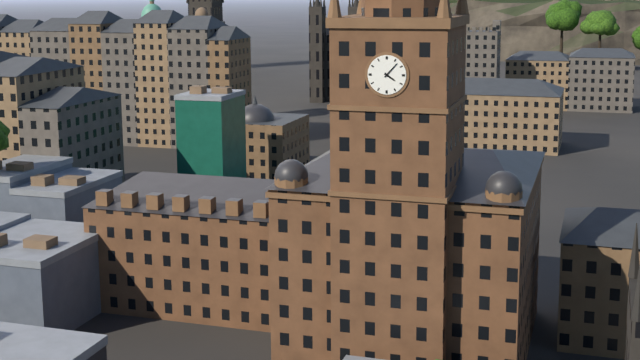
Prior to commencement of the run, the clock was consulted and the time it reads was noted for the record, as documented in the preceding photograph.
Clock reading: 4:07
